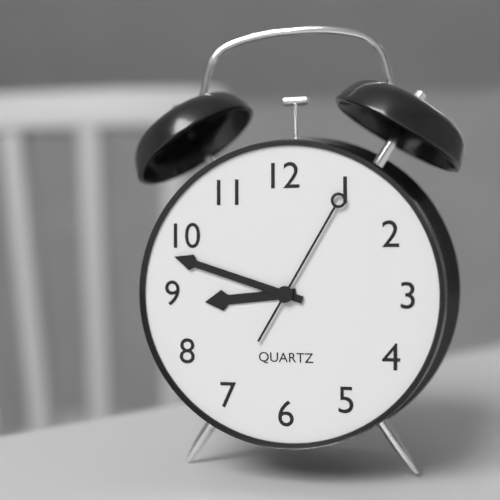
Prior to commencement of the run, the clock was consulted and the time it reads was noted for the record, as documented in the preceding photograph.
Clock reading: 8:48:05
